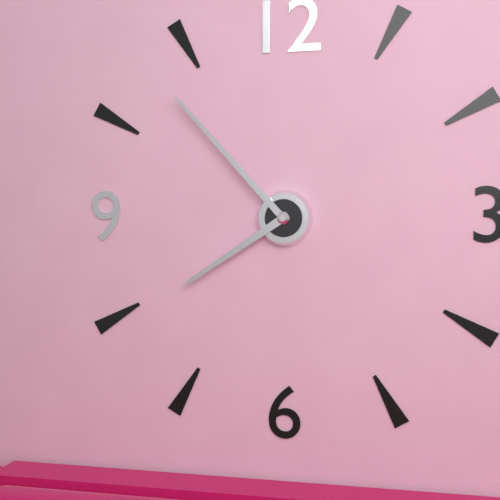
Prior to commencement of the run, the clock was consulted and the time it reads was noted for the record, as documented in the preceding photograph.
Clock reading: 7:53
